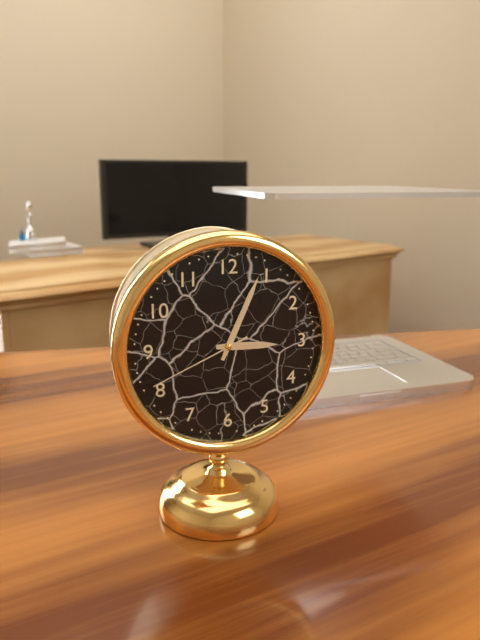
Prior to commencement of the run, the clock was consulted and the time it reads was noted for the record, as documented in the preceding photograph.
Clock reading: 3:04:41
